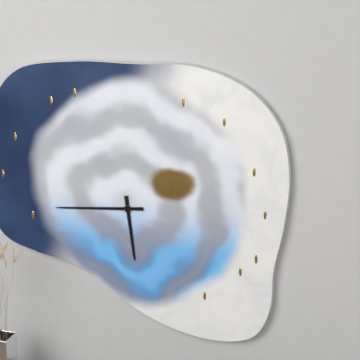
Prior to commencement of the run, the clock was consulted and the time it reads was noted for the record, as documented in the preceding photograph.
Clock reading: 5:44
